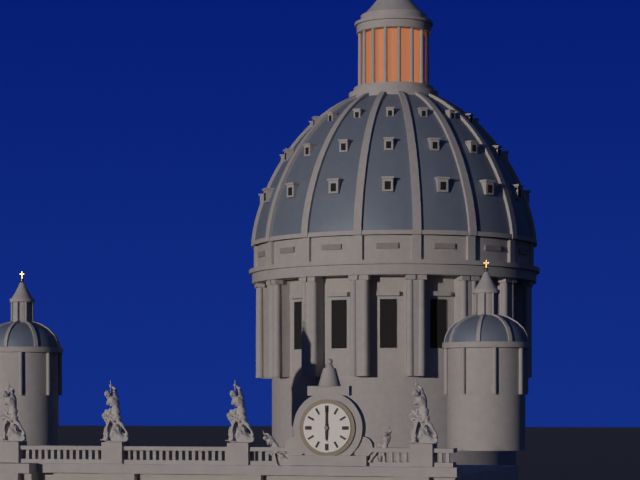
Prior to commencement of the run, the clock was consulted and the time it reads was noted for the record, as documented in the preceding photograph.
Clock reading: 6:00
